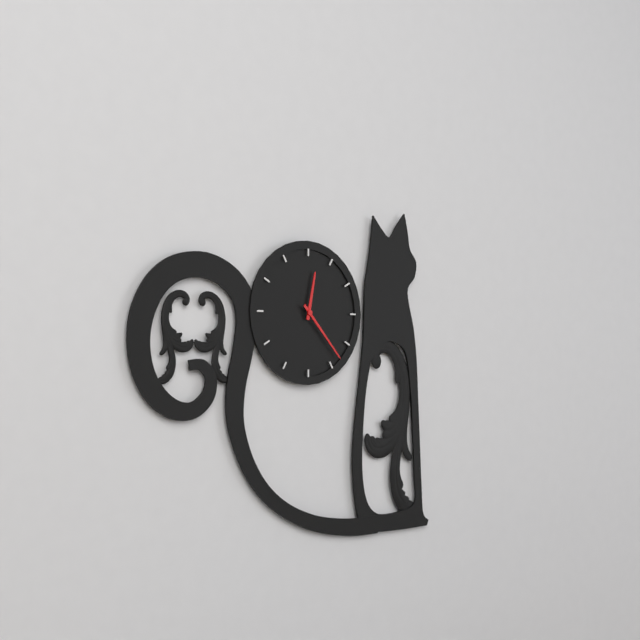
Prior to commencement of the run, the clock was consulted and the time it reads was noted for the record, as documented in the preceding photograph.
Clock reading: 12:23
